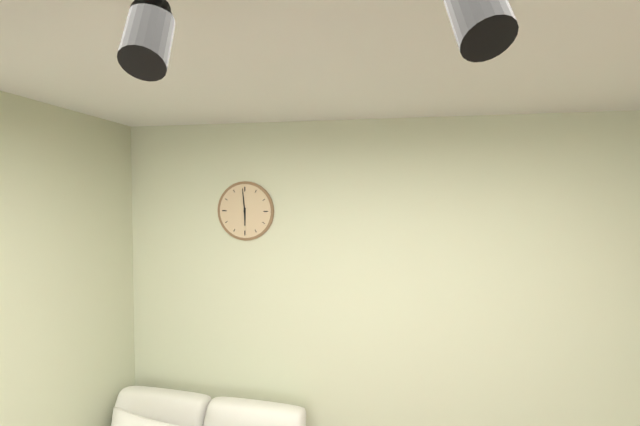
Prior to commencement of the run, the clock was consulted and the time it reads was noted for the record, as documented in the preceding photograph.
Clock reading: 5:59
